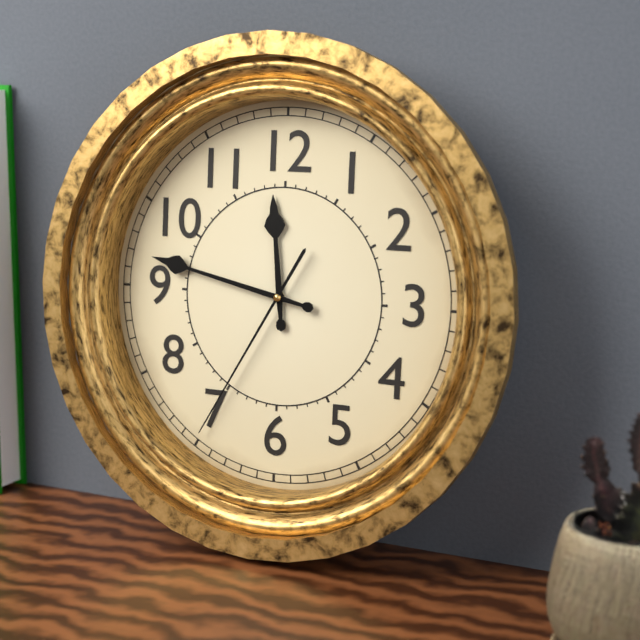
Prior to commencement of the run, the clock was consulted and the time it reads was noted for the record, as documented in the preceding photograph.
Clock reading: 11:47:35
